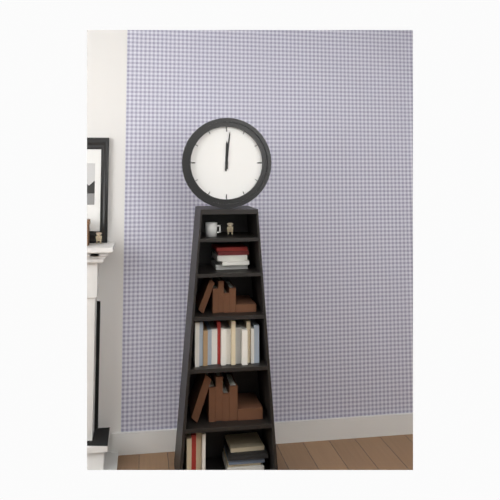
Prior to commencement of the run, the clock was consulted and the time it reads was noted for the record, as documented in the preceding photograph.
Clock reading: 12:01
